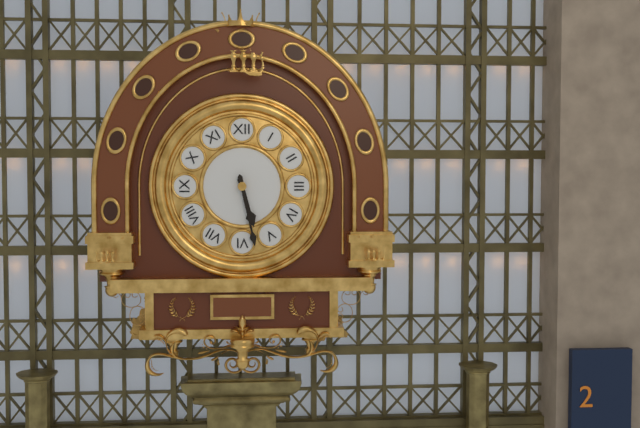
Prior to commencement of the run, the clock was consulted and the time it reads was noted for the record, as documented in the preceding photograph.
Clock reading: 5:28
